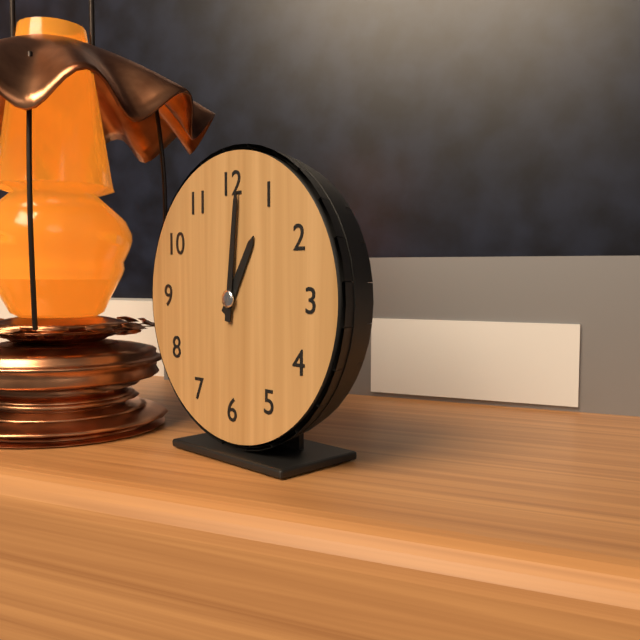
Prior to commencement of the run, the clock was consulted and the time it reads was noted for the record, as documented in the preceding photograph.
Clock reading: 1:01
